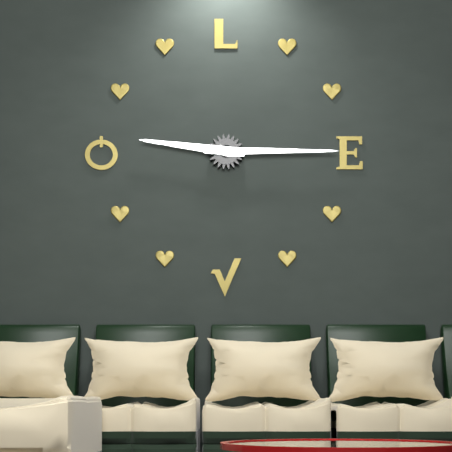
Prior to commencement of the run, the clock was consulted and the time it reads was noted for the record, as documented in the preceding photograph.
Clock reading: 9:15
